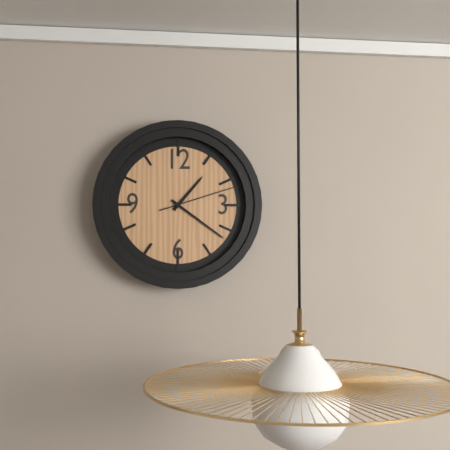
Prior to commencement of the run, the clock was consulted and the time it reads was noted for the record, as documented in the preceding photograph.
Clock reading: 1:21:12
